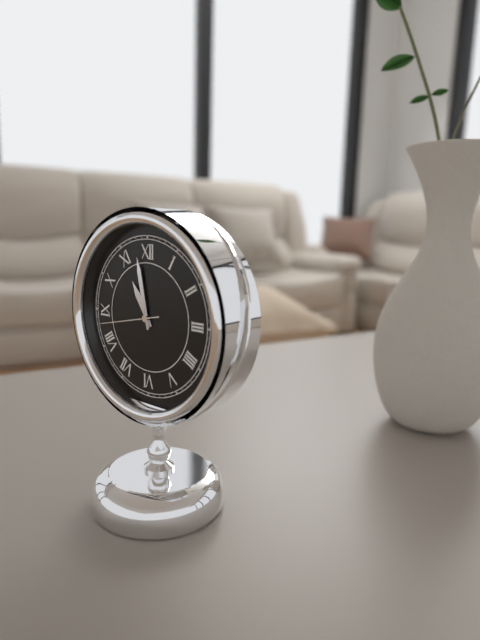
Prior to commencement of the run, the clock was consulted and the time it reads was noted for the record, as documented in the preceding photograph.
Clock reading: 10:58:43
